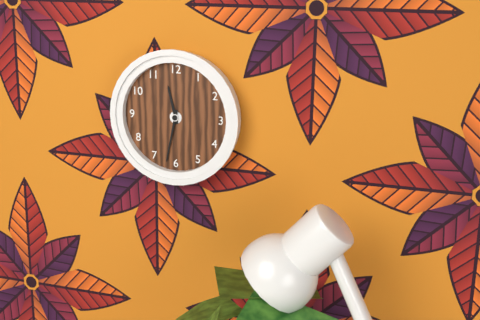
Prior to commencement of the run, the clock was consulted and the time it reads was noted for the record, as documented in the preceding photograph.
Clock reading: 11:32
